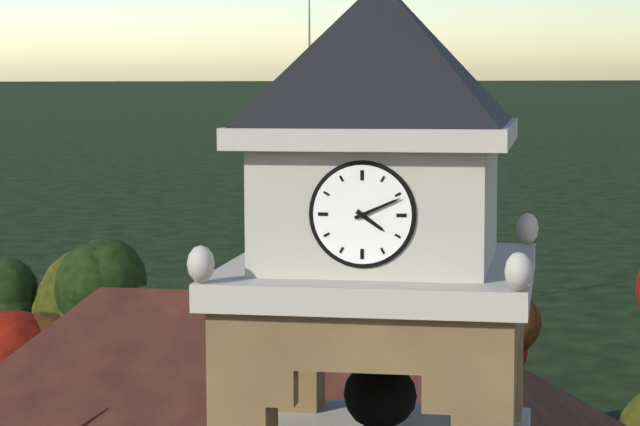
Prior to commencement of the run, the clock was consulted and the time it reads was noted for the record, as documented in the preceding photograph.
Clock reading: 4:11
